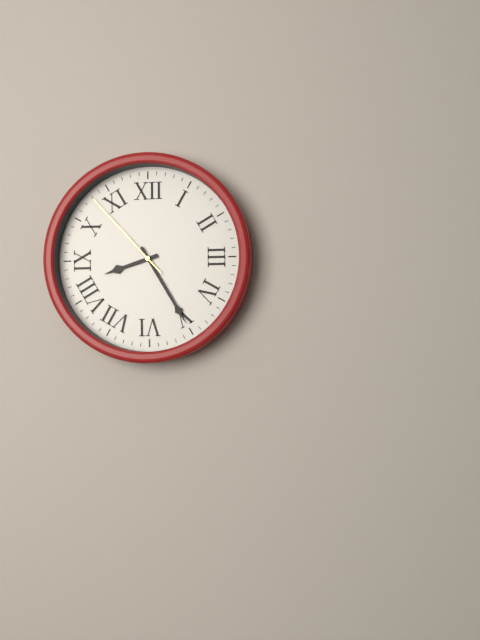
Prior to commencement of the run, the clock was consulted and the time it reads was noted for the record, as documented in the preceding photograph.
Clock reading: 8:25:53
